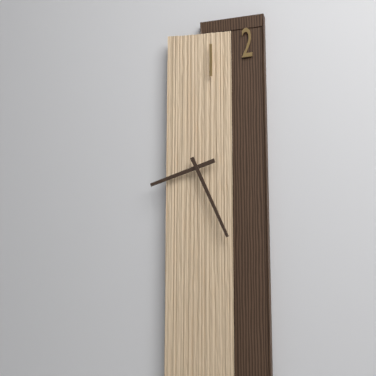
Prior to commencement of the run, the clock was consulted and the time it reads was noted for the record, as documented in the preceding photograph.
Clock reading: 8:26
